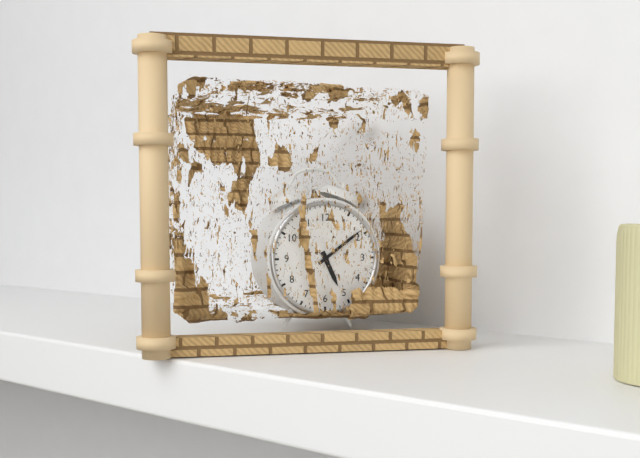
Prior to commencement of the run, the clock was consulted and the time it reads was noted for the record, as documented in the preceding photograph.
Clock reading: 5:09
